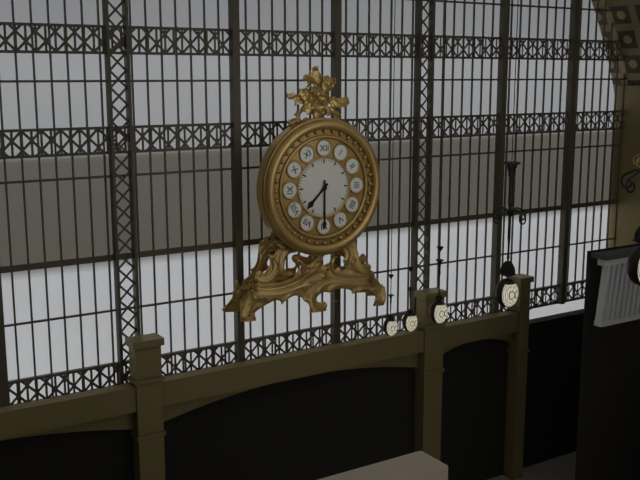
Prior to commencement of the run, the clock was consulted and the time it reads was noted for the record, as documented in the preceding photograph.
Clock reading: 7:30
